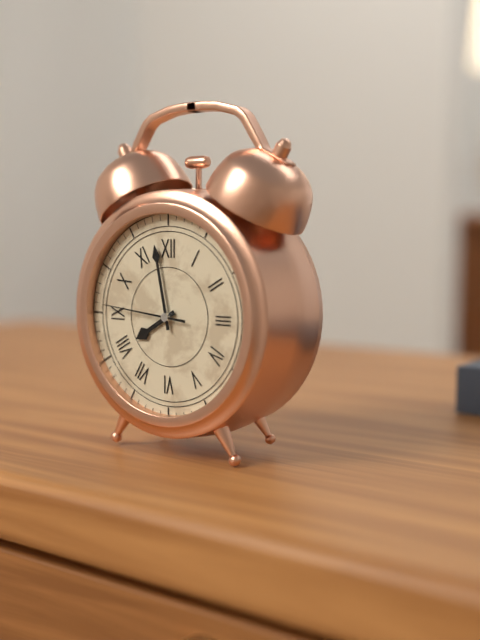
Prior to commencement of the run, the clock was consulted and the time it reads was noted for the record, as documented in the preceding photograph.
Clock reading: 7:58:46
